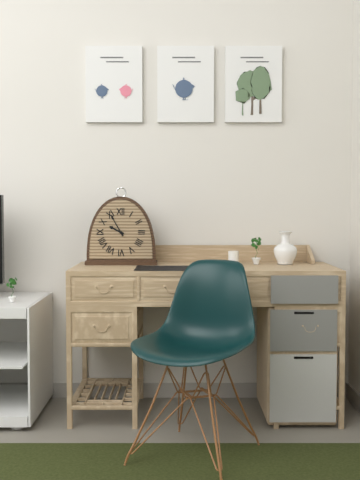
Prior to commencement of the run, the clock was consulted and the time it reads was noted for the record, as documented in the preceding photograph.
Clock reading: 9:55
